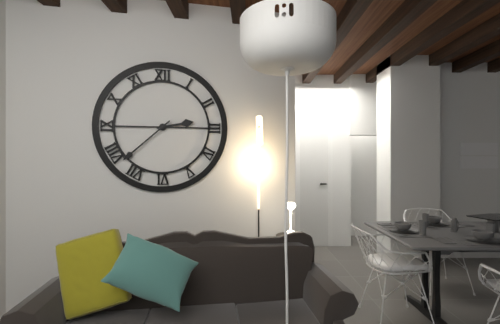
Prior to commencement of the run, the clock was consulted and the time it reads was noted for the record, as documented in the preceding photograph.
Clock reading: 2:38
